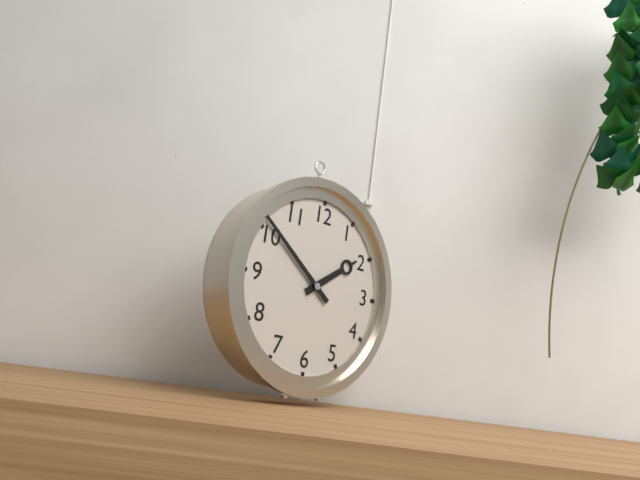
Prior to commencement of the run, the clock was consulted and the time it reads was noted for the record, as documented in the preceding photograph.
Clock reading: 1:51
